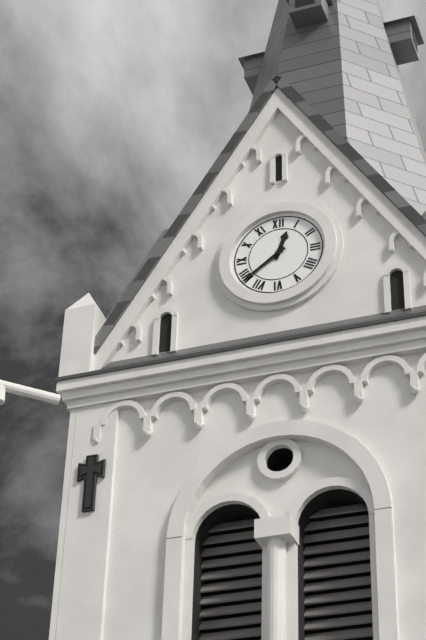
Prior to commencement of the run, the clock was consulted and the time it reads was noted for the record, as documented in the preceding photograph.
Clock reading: 12:39
